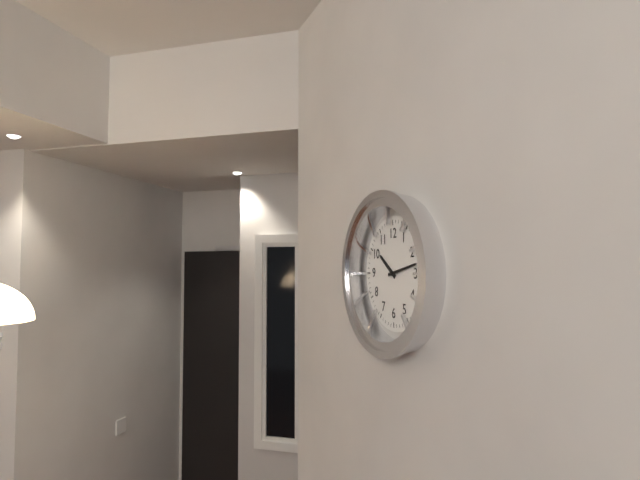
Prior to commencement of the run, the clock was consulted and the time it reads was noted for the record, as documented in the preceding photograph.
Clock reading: 10:13
